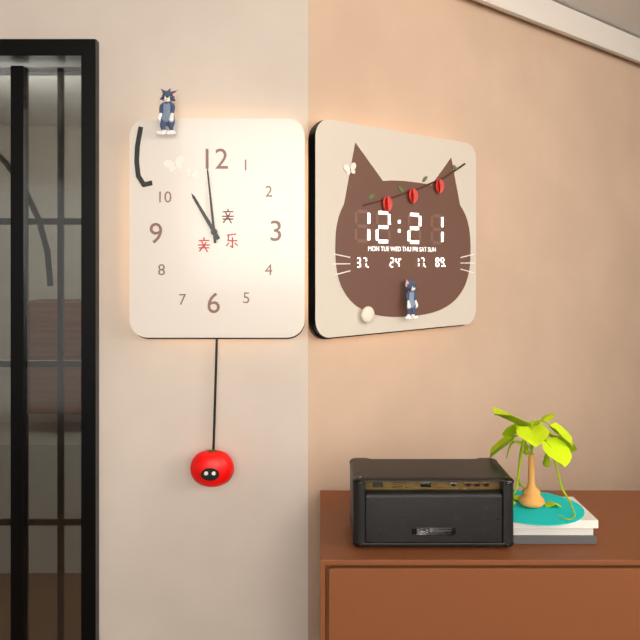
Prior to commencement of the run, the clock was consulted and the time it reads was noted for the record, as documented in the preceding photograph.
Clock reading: 10:59
